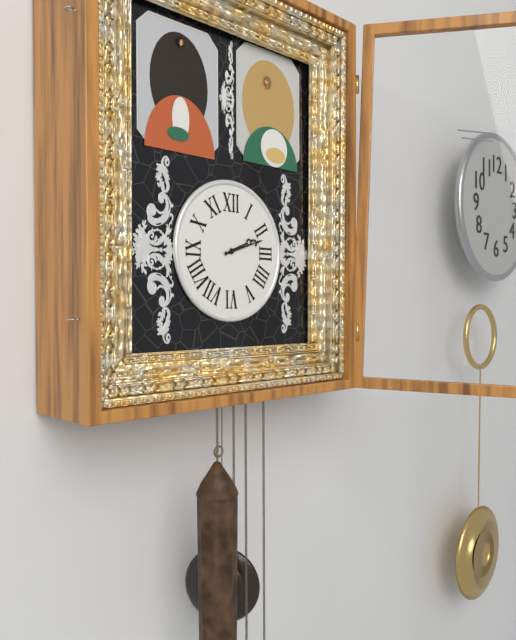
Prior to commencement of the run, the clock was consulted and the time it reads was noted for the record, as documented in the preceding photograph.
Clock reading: 2:12
